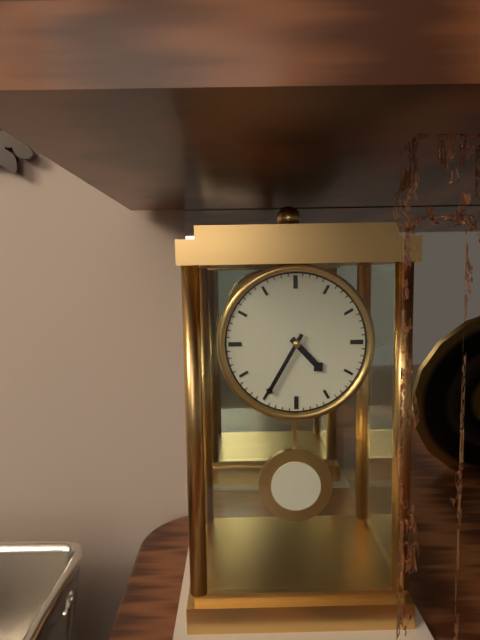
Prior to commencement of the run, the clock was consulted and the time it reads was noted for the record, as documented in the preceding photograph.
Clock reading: 4:35
